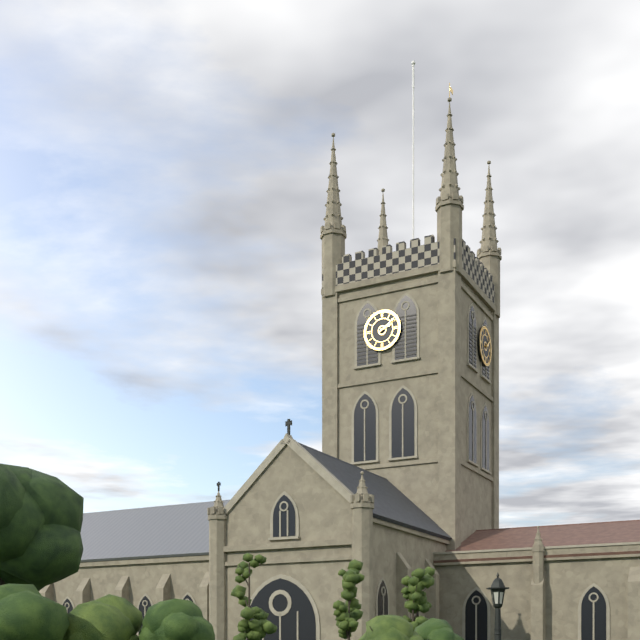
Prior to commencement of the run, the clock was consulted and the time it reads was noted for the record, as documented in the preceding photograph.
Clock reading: 2:09
